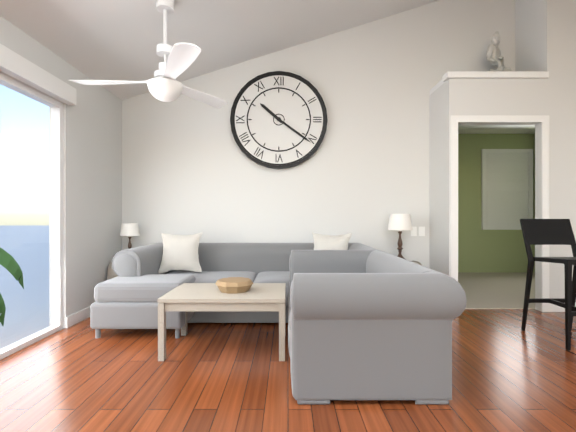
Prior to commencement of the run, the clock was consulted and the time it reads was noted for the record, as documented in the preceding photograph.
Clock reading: 10:21
